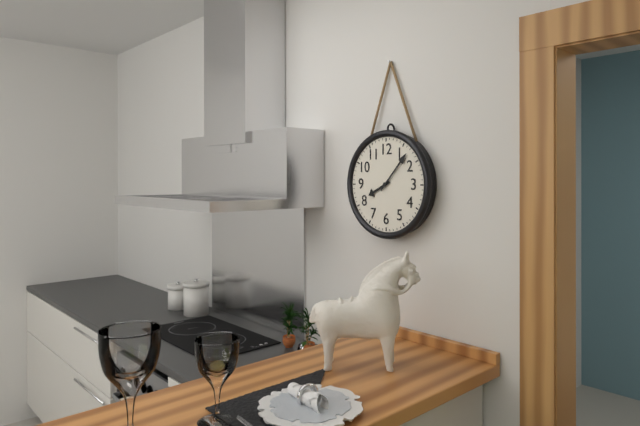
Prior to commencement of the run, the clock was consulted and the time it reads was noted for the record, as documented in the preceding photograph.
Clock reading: 8:07
